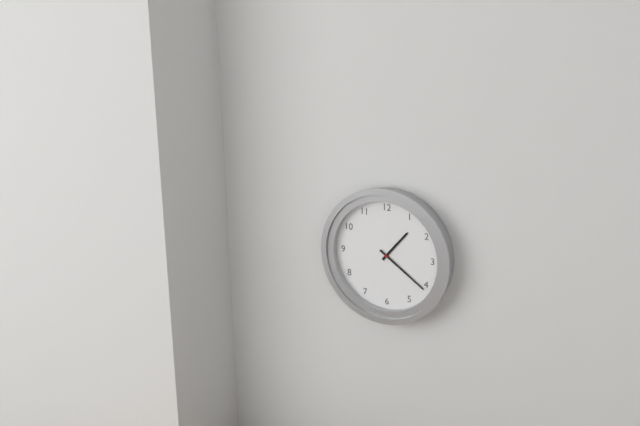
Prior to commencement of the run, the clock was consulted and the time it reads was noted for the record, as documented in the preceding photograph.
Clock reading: 1:21
